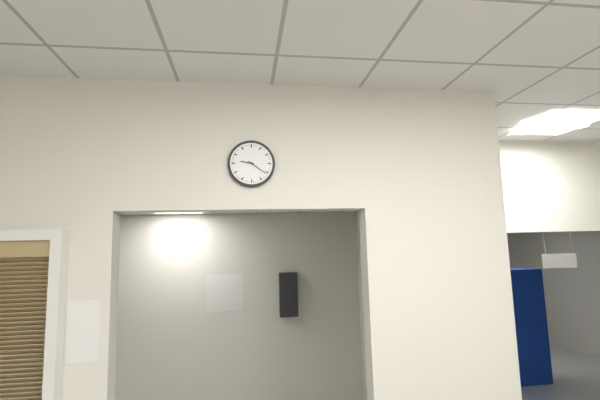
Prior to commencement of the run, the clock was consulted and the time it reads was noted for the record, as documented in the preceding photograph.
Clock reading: 9:21
